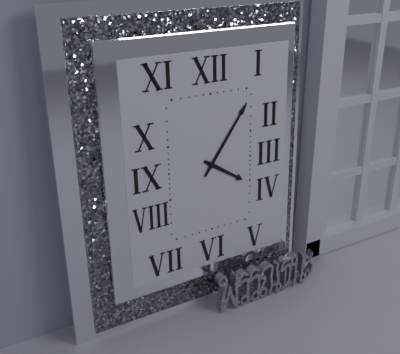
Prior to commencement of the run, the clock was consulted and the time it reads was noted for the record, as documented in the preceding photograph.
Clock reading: 4:06
